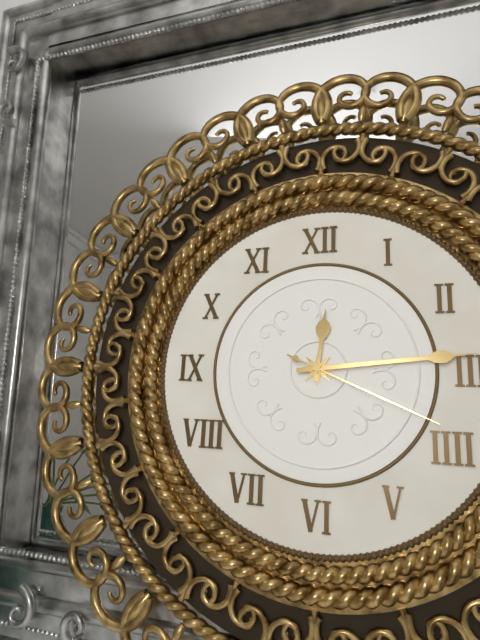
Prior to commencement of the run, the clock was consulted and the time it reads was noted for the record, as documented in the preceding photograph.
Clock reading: 12:14:19
